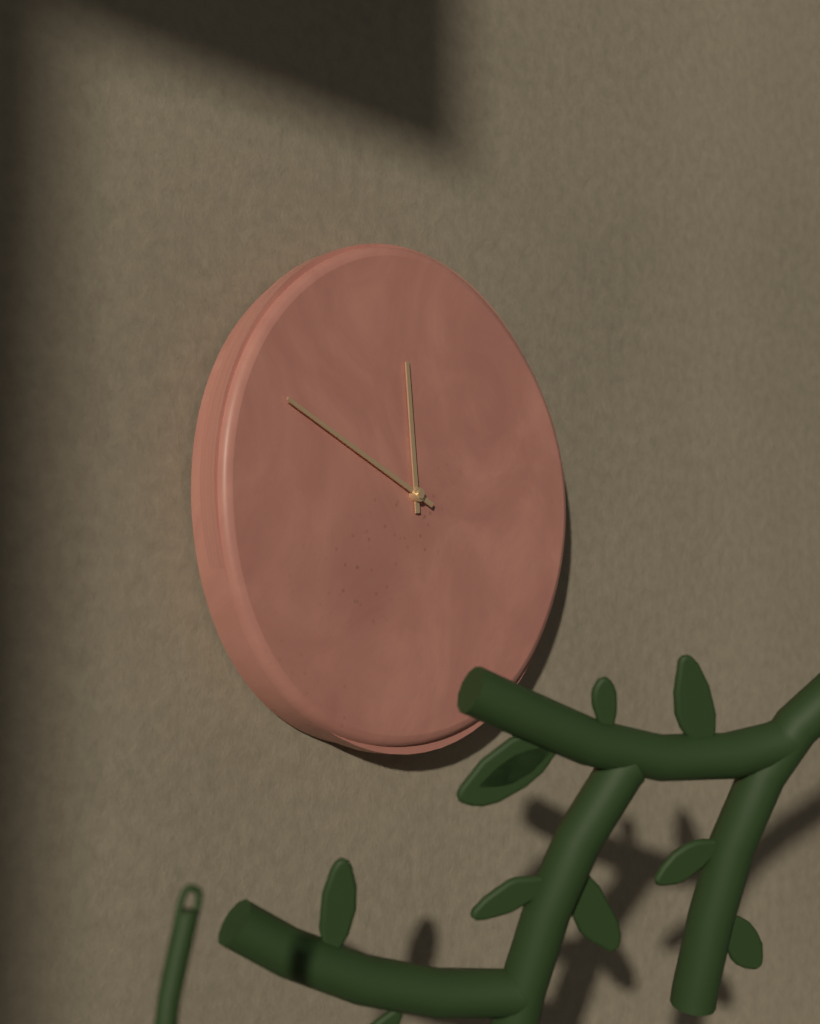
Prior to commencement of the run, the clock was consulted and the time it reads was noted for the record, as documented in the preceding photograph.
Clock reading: 11:49
